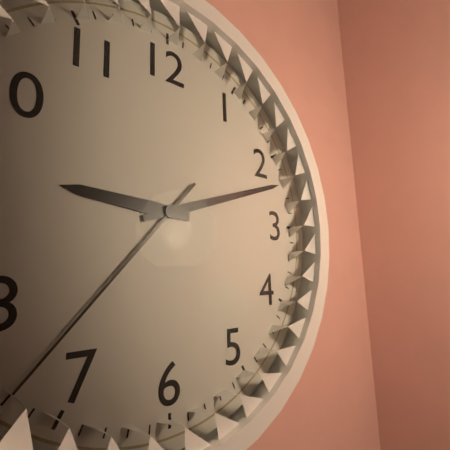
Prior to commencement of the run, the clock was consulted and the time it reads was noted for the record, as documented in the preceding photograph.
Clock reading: 9:12:37
